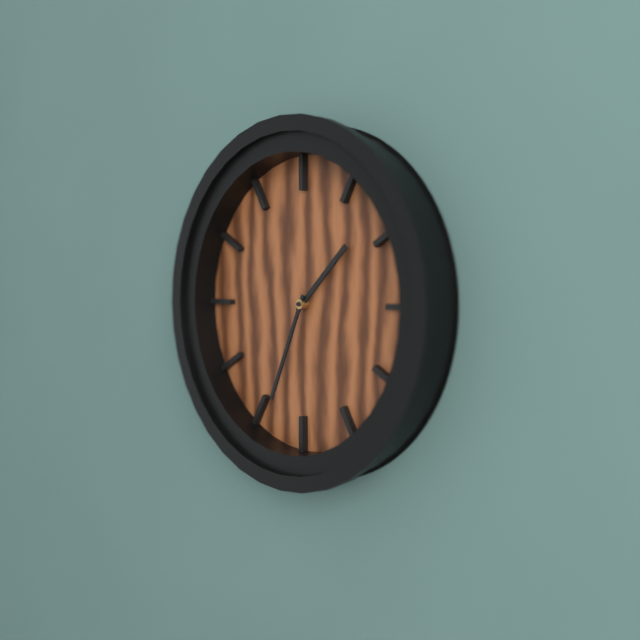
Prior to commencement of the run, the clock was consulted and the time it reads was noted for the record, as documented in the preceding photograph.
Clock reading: 1:34
